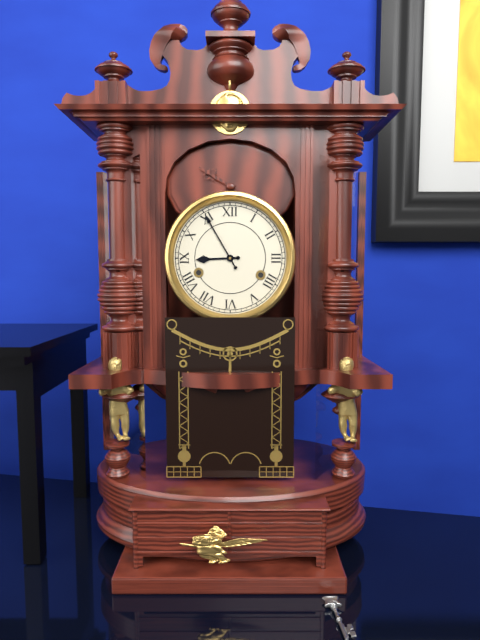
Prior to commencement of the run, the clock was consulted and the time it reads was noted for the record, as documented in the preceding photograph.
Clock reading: 8:55
